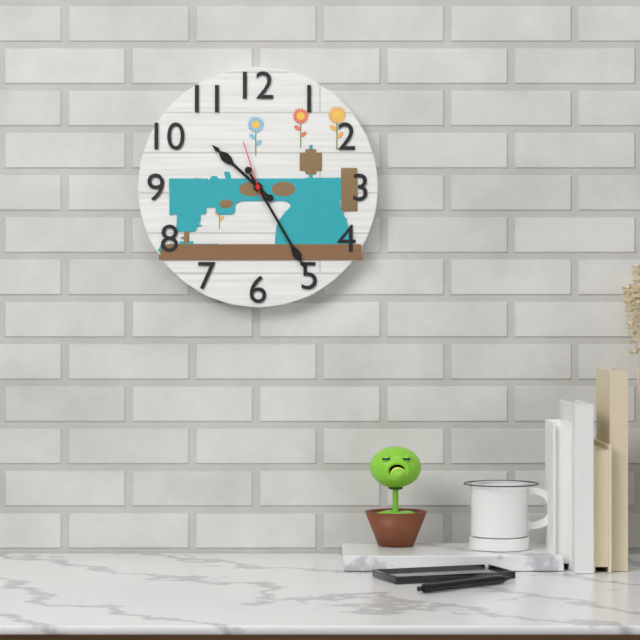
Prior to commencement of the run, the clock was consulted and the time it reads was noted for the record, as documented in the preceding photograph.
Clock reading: 10:25:57
